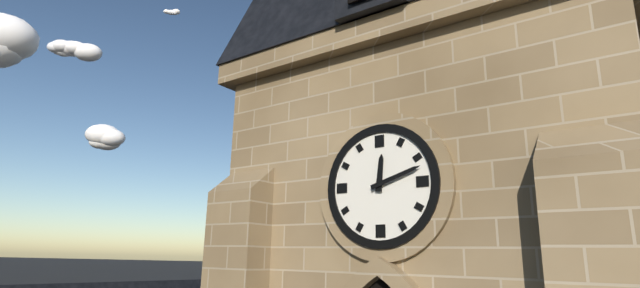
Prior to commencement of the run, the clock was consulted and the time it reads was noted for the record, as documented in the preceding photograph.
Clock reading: 12:12
